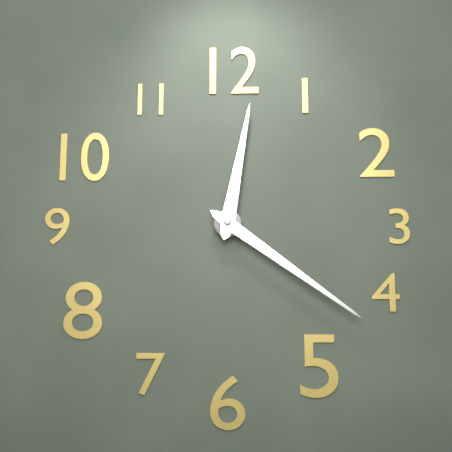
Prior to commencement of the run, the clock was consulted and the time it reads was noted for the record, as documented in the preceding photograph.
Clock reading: 12:21
